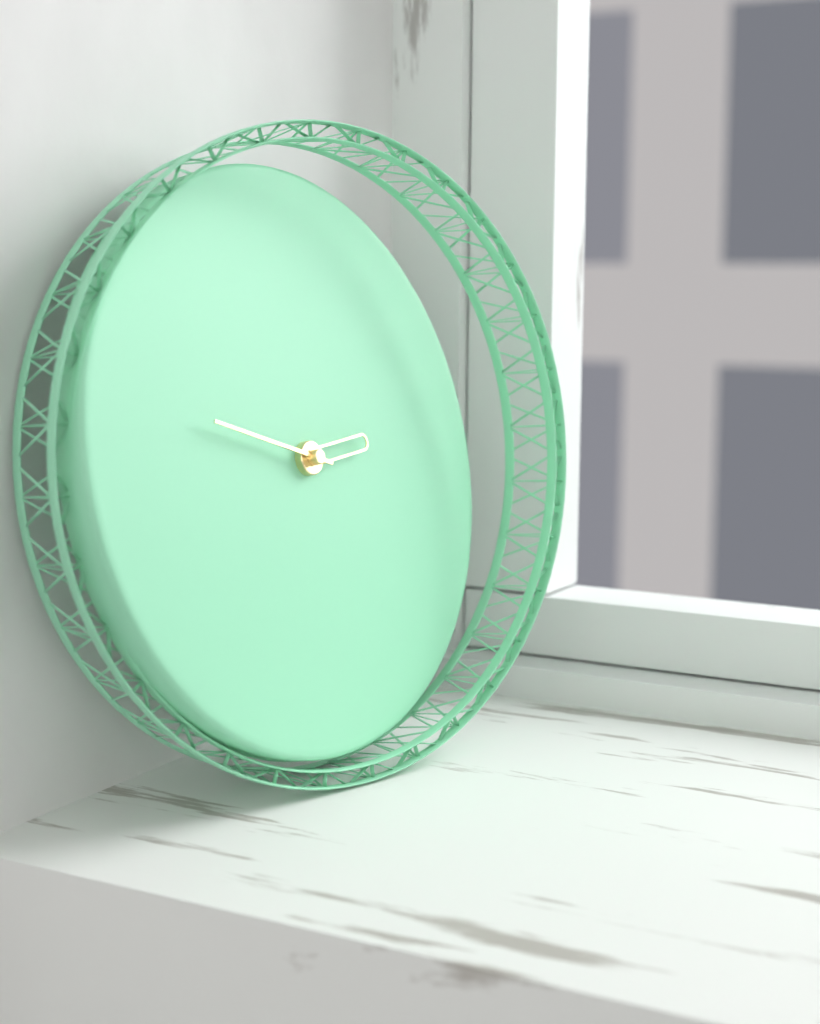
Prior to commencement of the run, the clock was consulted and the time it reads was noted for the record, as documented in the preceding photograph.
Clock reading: 2:48
